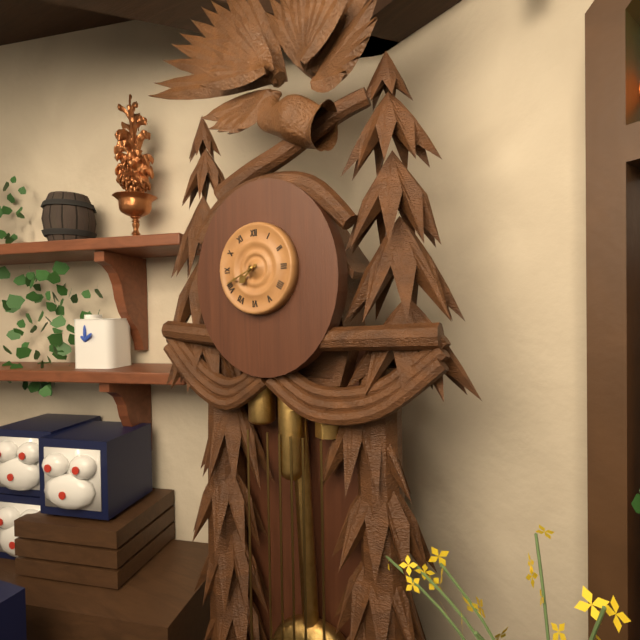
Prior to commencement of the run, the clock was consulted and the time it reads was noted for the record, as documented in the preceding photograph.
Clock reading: 7:41
